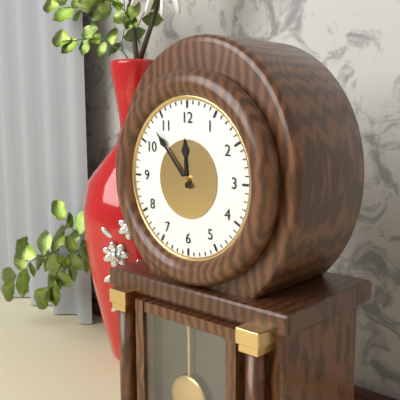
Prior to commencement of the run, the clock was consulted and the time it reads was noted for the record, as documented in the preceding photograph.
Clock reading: 11:53
